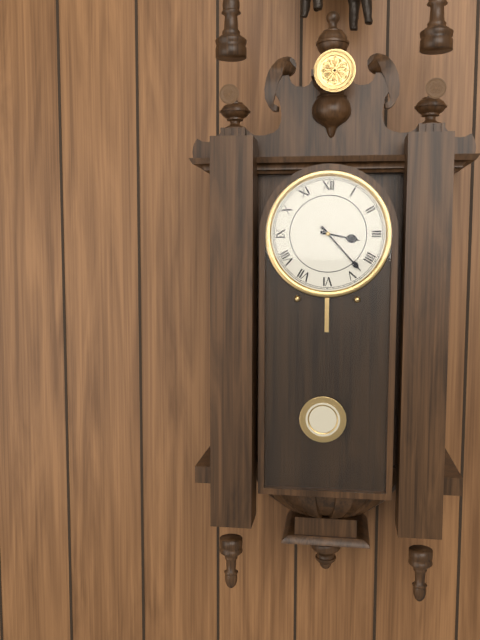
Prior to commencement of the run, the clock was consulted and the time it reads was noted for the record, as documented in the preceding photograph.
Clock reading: 3:23
